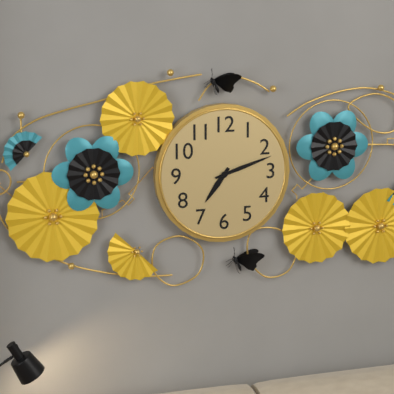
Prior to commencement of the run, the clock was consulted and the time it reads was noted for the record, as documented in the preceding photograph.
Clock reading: 7:12
